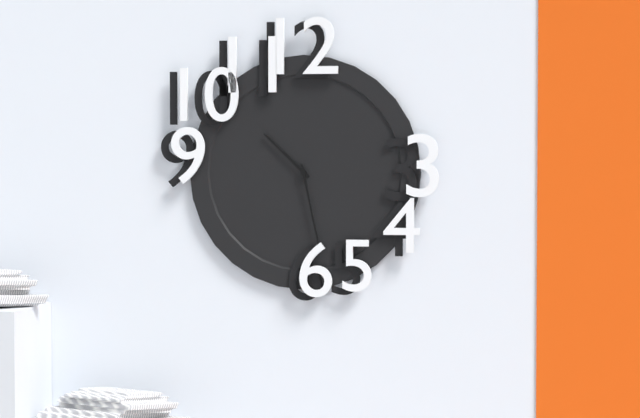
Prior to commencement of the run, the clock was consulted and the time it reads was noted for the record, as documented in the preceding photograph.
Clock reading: 10:28
